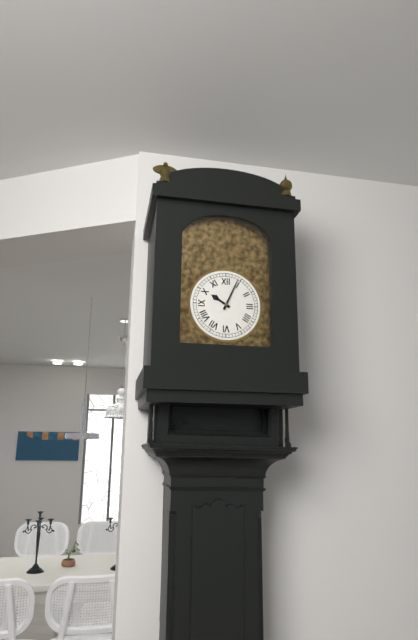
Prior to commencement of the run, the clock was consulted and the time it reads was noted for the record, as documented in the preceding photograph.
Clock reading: 10:04
